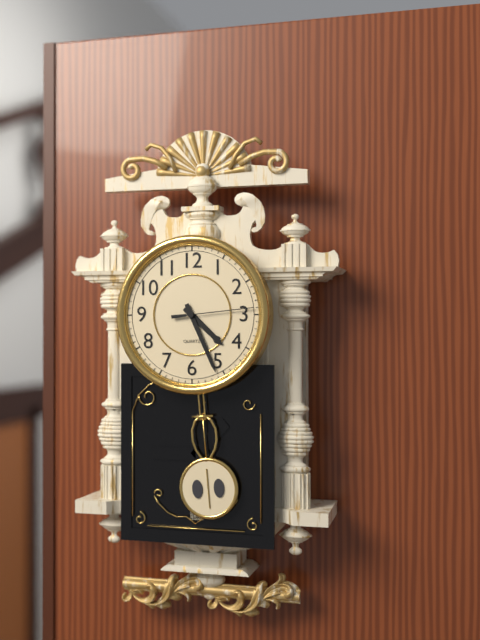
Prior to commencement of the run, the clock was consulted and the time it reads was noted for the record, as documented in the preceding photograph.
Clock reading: 4:26:14
